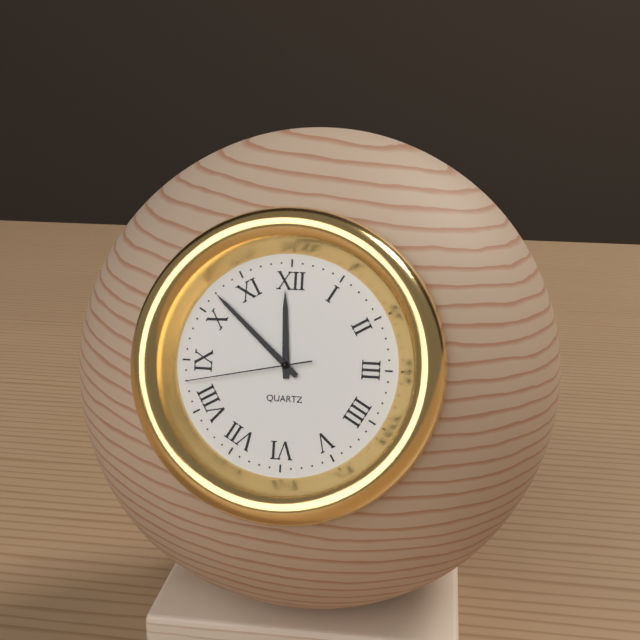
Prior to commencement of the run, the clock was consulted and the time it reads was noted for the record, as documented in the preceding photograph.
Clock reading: 11:52:43
